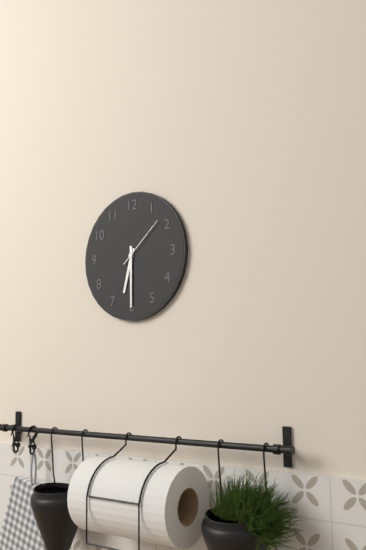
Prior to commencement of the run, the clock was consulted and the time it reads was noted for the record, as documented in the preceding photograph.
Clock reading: 6:30:08
